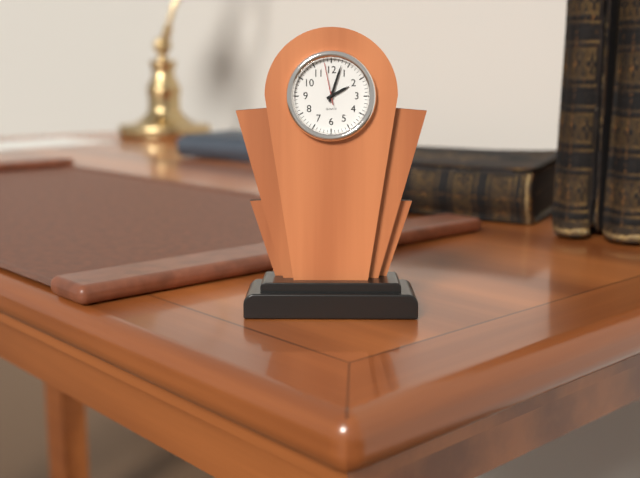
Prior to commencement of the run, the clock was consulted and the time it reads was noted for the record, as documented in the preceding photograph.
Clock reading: 2:03
